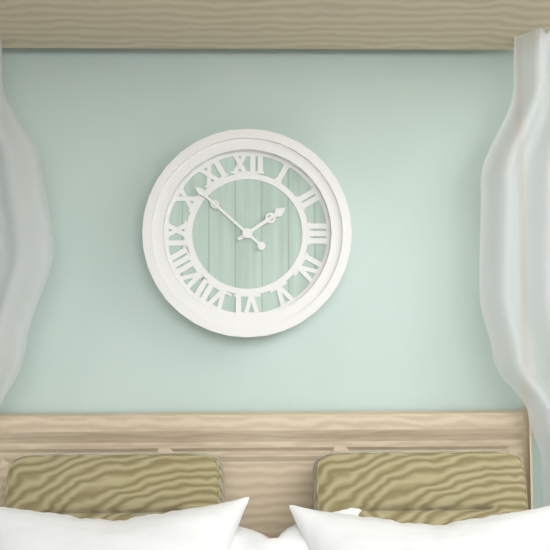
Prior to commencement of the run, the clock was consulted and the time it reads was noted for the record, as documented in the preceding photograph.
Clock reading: 1:52
